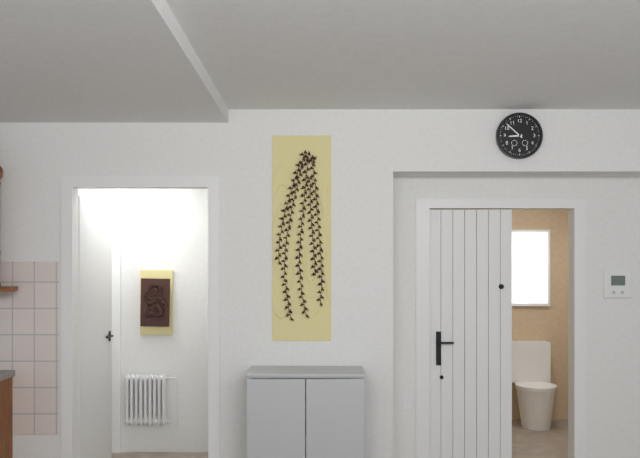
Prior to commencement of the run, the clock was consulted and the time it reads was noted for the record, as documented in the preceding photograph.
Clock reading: 8:52
